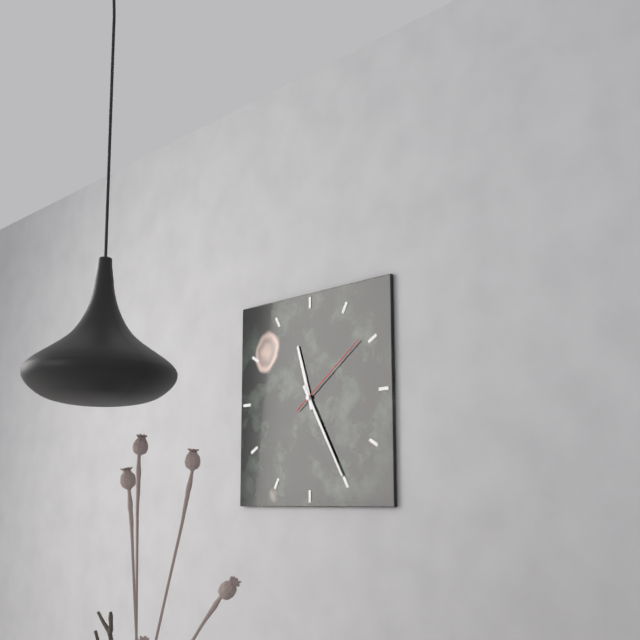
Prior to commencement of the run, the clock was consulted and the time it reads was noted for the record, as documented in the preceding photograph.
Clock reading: 11:25:09
